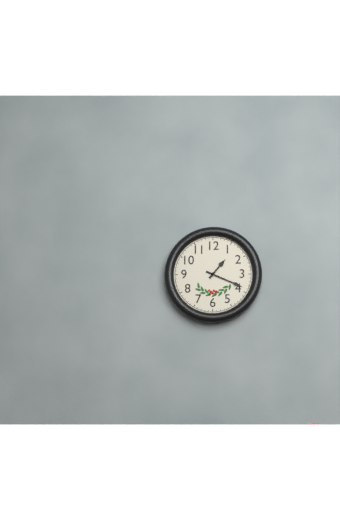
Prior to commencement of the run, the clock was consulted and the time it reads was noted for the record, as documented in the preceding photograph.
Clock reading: 1:19
